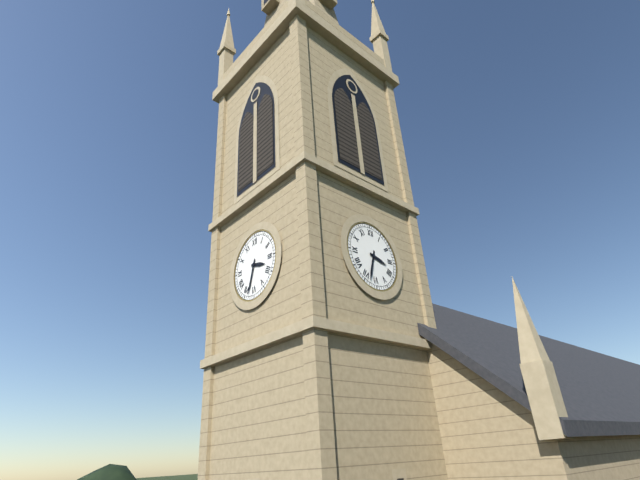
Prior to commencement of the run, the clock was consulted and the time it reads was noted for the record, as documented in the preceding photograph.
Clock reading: 3:33
